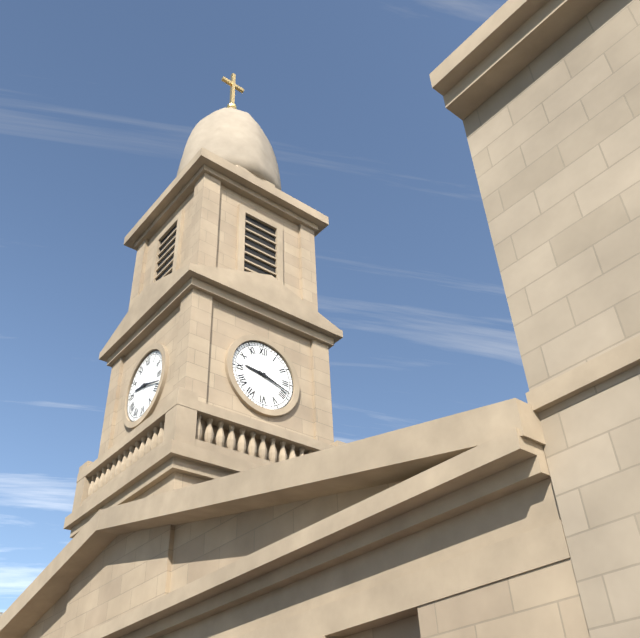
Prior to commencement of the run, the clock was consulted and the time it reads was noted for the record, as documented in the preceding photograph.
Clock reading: 9:18
